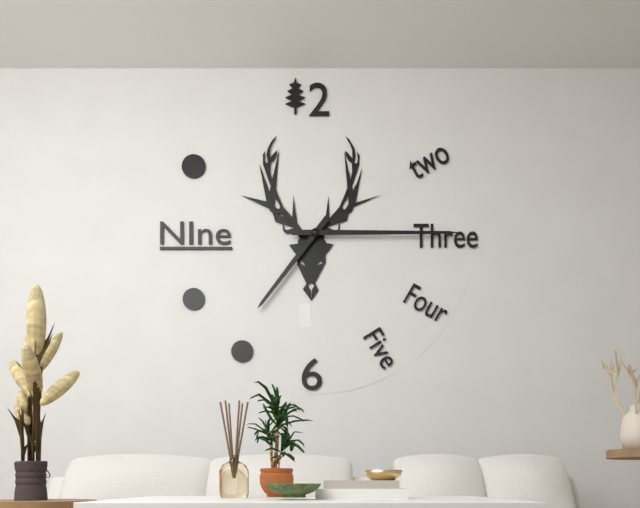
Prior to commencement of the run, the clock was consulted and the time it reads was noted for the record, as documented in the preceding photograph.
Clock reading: 7:15
